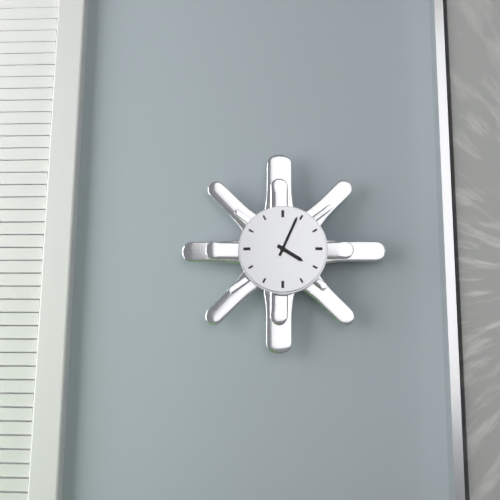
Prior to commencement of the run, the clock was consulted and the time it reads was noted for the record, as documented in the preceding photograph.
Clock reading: 4:04
